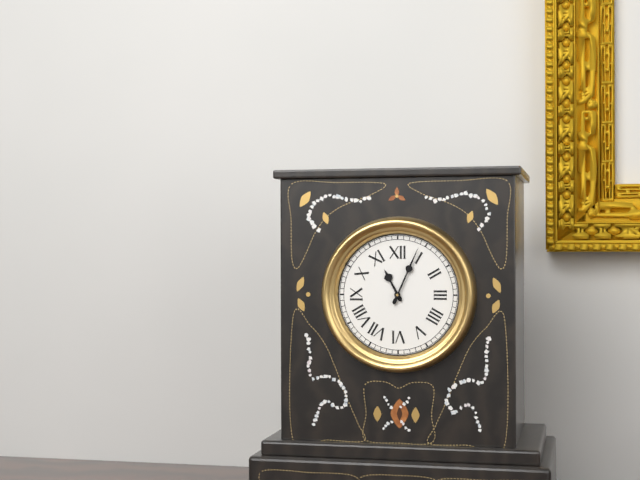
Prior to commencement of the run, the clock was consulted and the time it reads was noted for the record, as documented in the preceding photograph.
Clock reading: 11:04
